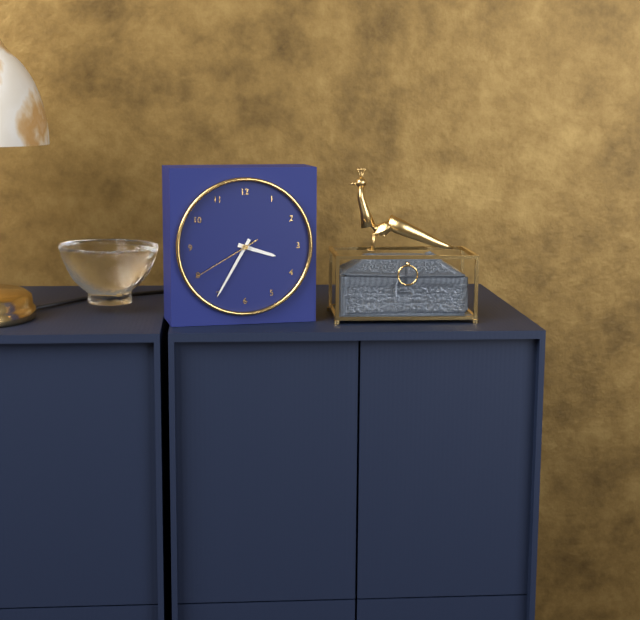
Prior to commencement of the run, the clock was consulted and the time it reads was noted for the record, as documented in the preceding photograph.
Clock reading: 3:35:40
